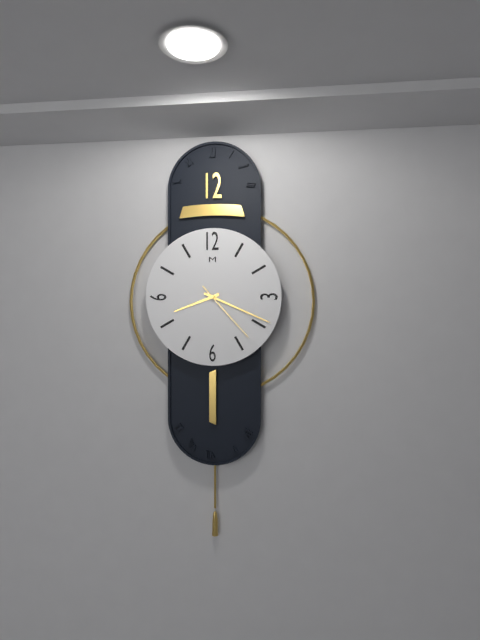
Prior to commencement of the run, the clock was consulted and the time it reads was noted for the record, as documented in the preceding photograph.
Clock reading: 8:19:23
